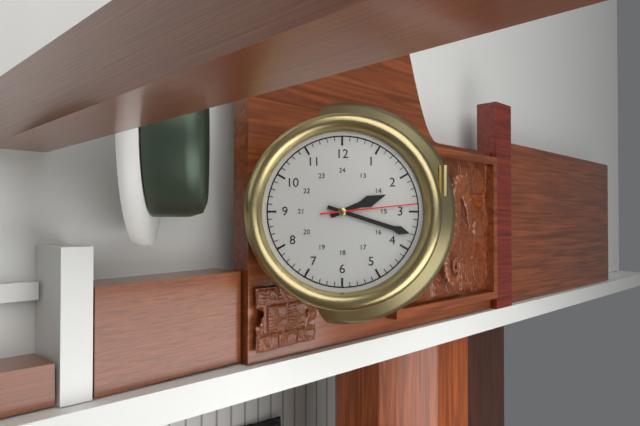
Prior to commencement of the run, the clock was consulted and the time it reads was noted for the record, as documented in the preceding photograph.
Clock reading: 2:18:14
